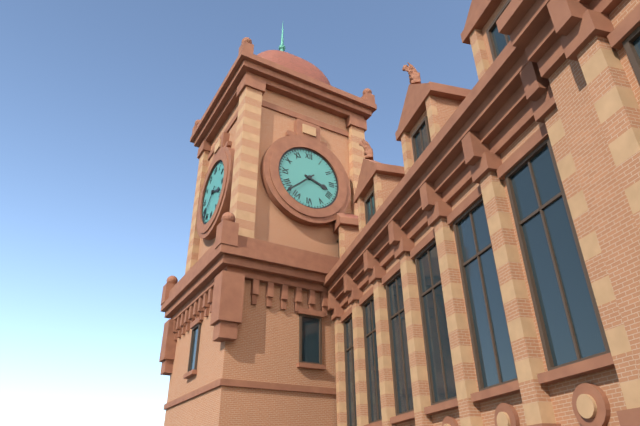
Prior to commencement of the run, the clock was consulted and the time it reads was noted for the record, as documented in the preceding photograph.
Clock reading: 3:38
